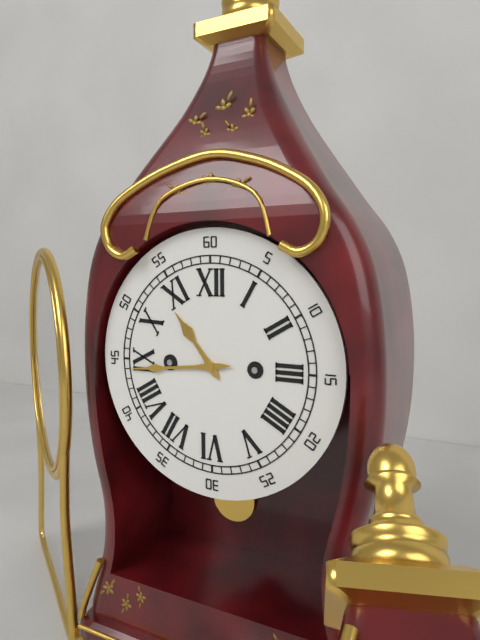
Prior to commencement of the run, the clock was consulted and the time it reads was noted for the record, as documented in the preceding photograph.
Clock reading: 10:44
